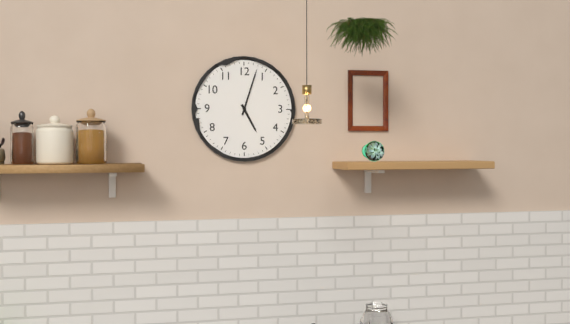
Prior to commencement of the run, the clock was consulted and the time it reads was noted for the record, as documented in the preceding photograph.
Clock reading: 5:03
